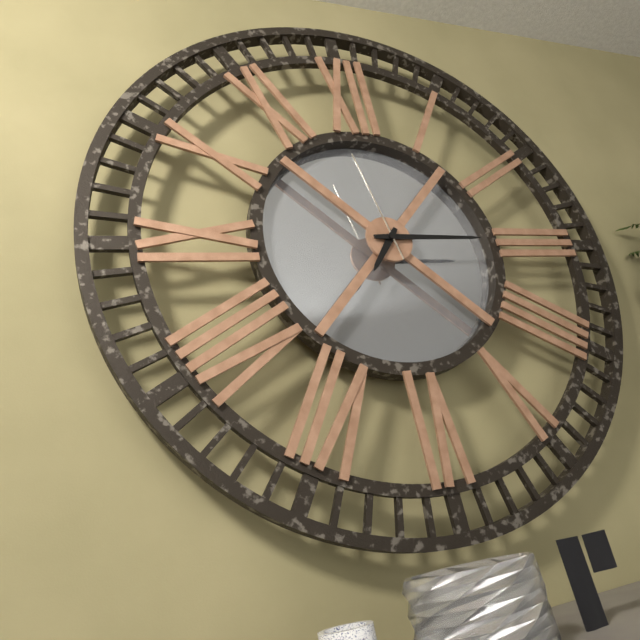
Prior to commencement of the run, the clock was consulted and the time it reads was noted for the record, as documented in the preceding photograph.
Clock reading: 7:15:58
